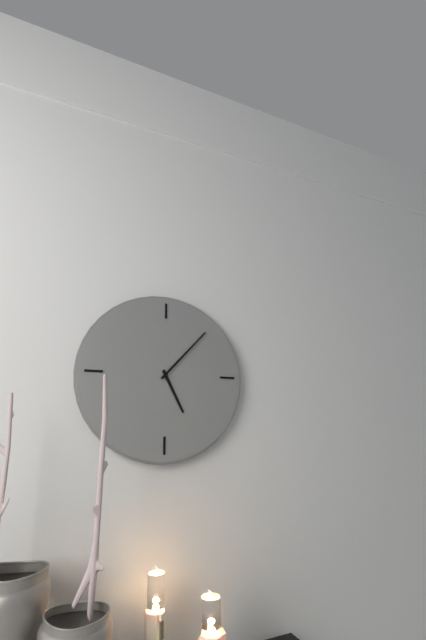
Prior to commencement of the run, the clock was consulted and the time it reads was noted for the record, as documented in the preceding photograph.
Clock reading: 5:07
